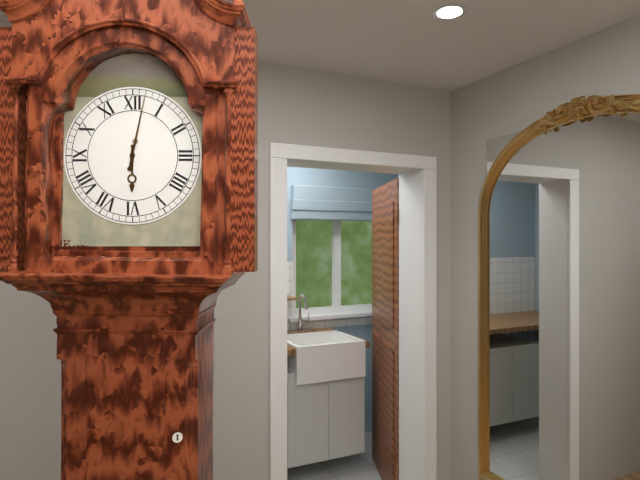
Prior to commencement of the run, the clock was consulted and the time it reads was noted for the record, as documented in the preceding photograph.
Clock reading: 6:02
